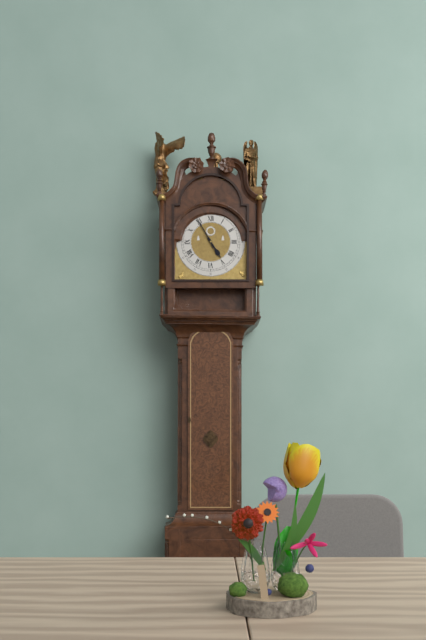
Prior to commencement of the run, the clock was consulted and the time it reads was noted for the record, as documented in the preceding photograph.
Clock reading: 4:55
